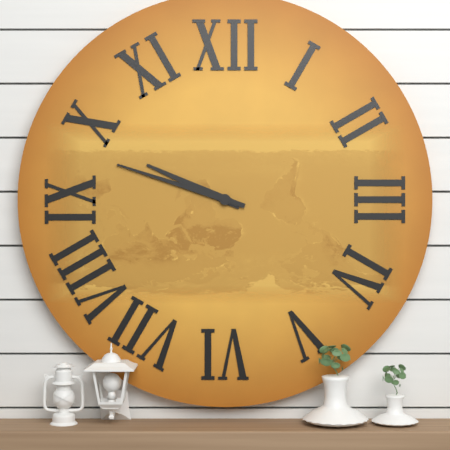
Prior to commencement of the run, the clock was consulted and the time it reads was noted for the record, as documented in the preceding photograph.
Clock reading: 9:48
